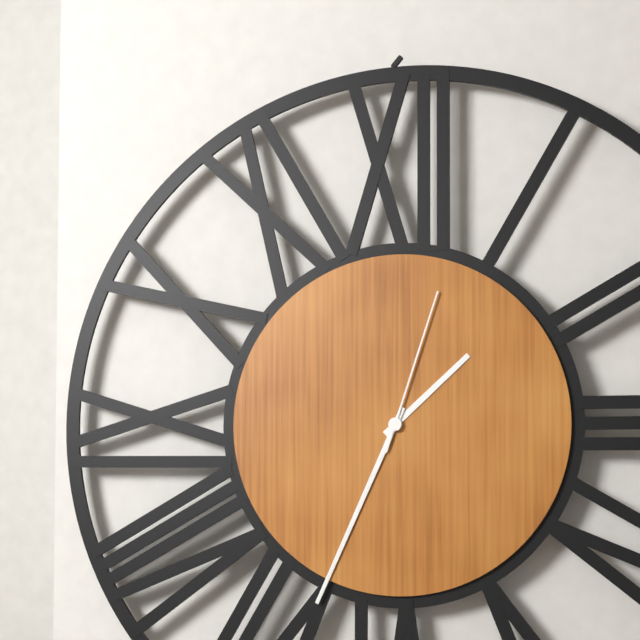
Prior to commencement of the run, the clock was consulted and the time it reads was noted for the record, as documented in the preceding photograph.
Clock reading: 1:34:03
